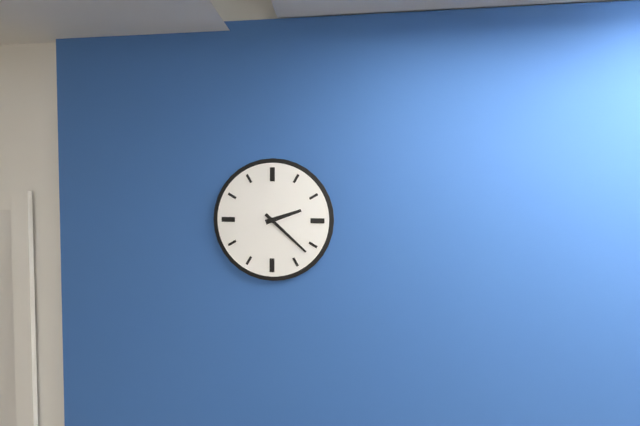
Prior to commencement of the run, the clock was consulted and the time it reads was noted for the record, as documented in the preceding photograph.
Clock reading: 2:22
